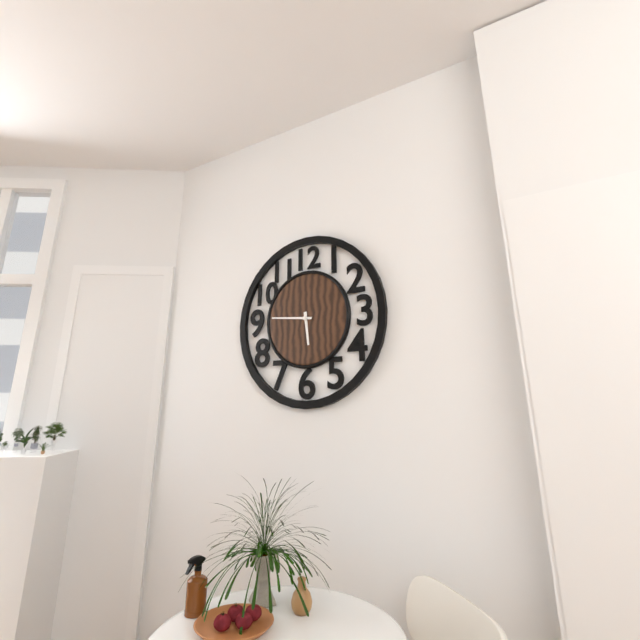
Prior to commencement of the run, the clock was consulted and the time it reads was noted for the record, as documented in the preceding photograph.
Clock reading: 5:46
